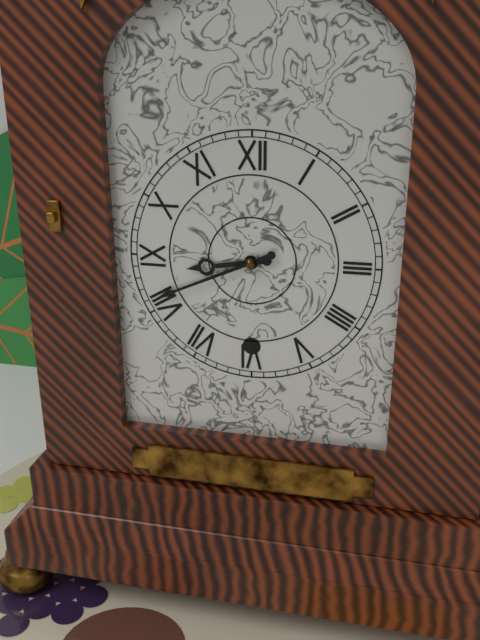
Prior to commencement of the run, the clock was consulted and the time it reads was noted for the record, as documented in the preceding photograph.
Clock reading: 8:41
